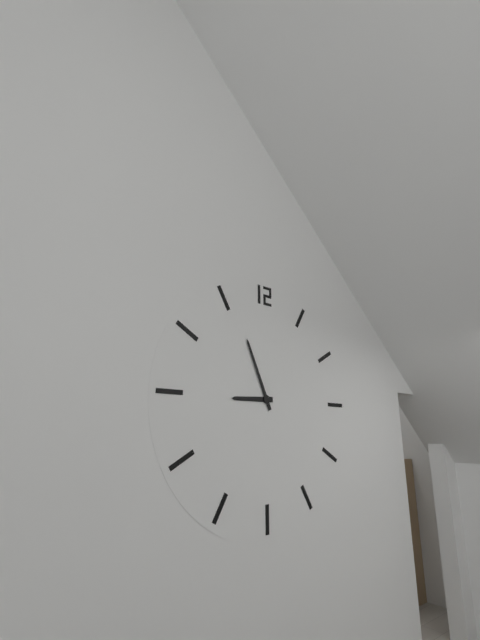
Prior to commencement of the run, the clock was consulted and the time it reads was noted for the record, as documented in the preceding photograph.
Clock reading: 8:56
